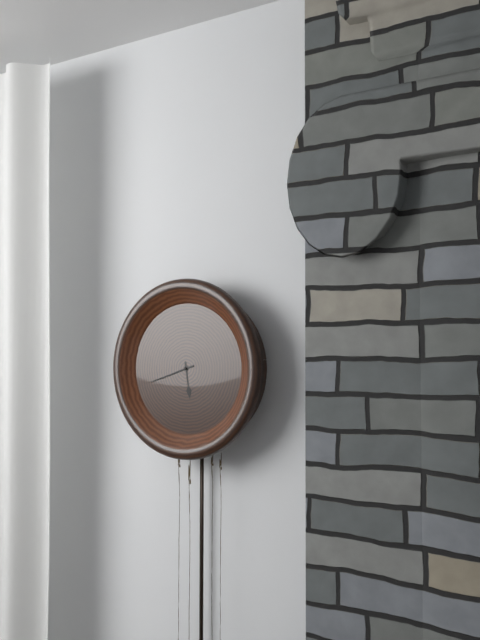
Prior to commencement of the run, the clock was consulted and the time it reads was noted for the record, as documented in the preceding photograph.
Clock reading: 5:42
